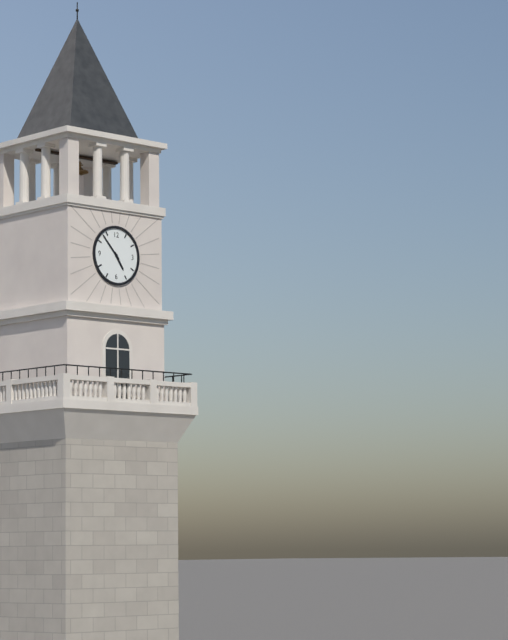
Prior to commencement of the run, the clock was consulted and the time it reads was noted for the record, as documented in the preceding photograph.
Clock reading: 4:53
